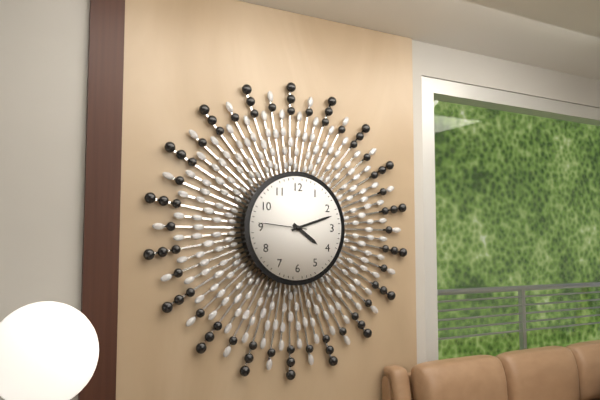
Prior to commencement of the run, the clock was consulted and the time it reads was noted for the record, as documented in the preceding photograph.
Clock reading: 4:12:46
